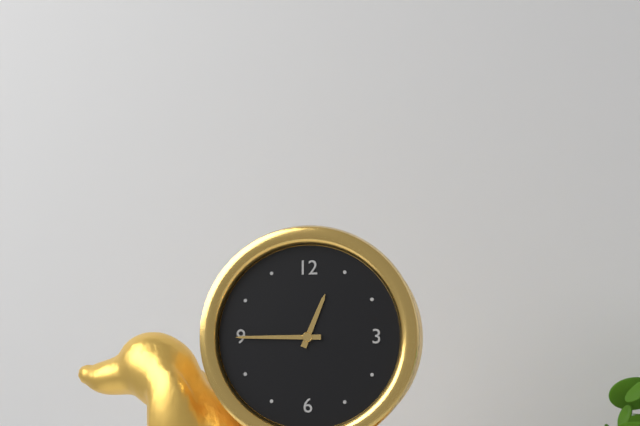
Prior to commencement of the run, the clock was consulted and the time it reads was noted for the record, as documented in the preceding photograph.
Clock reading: 12:45
